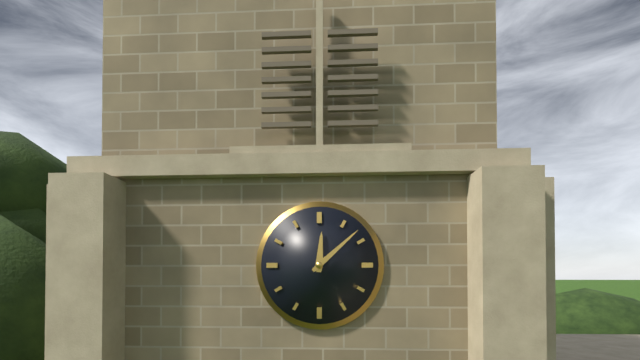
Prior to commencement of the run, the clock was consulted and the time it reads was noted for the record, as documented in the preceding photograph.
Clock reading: 12:08
